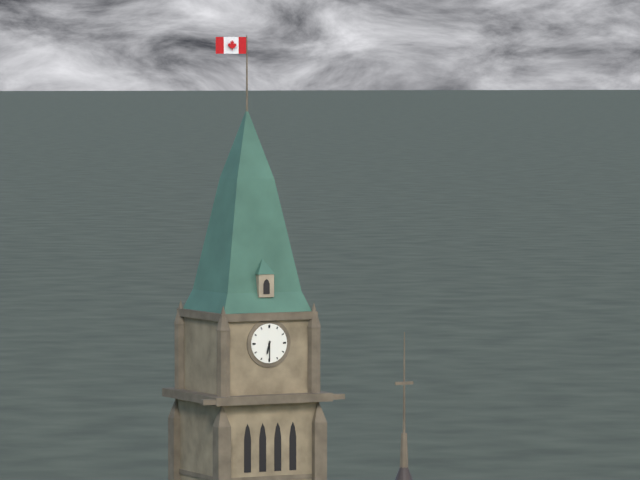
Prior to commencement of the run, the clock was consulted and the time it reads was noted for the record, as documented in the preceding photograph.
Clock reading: 6:30
